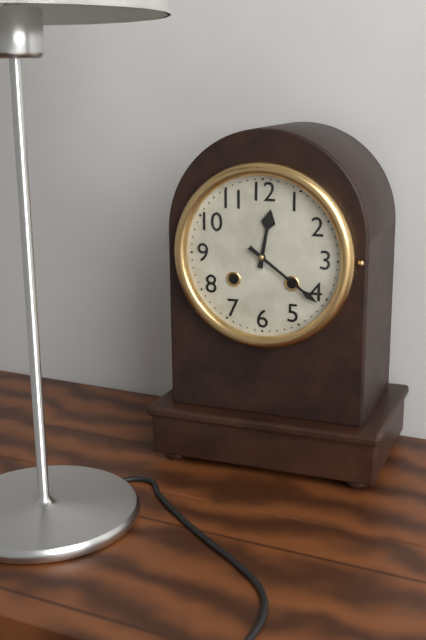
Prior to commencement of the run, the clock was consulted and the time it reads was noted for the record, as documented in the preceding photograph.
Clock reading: 12:21
